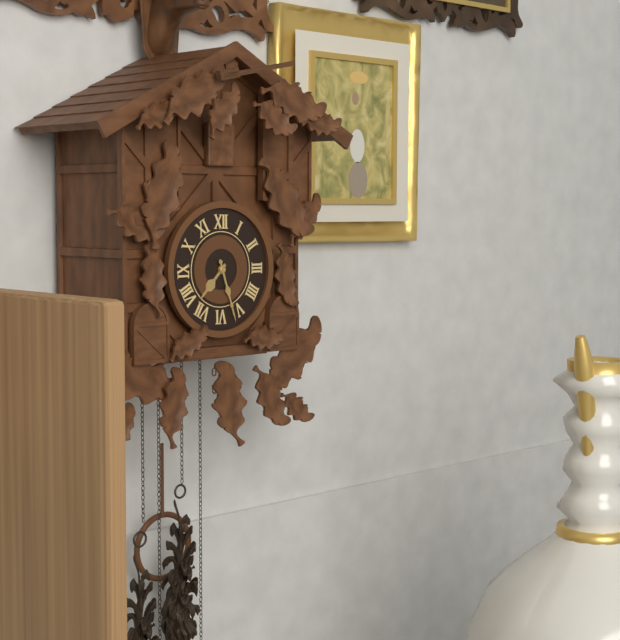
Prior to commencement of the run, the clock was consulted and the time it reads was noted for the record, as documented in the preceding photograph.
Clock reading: 7:27
